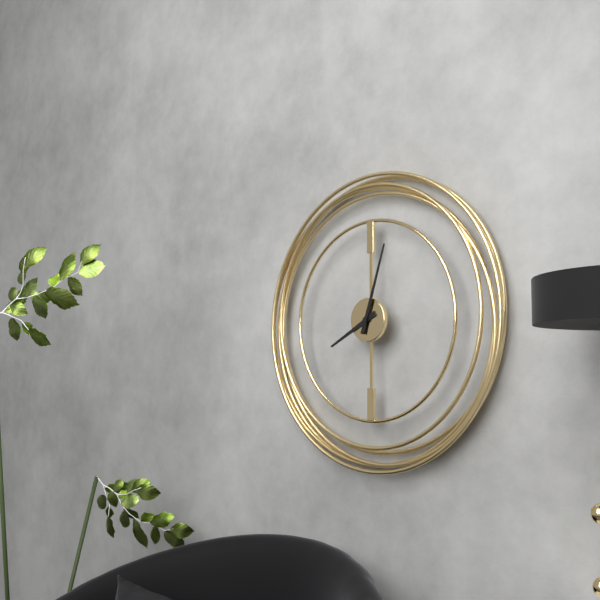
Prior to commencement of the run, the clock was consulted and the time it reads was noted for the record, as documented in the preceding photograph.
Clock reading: 8:03
